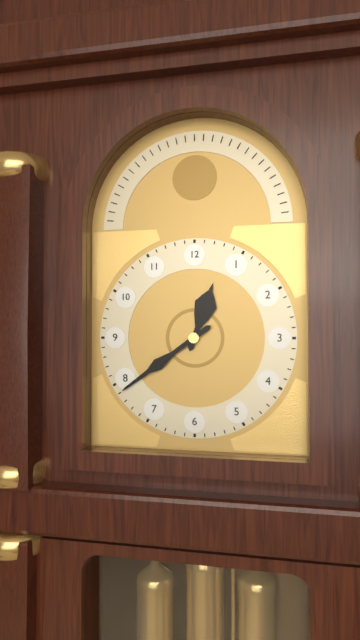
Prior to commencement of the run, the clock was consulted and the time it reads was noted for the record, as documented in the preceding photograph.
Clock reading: 12:39
